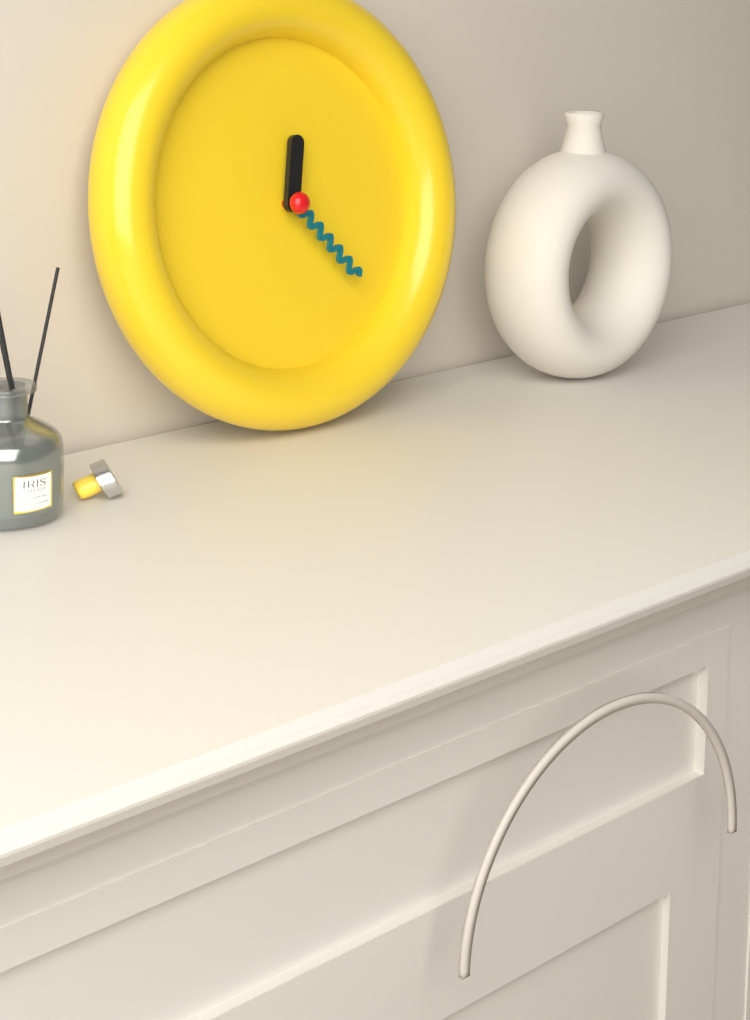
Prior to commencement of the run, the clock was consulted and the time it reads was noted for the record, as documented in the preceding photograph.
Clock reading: 12:23
